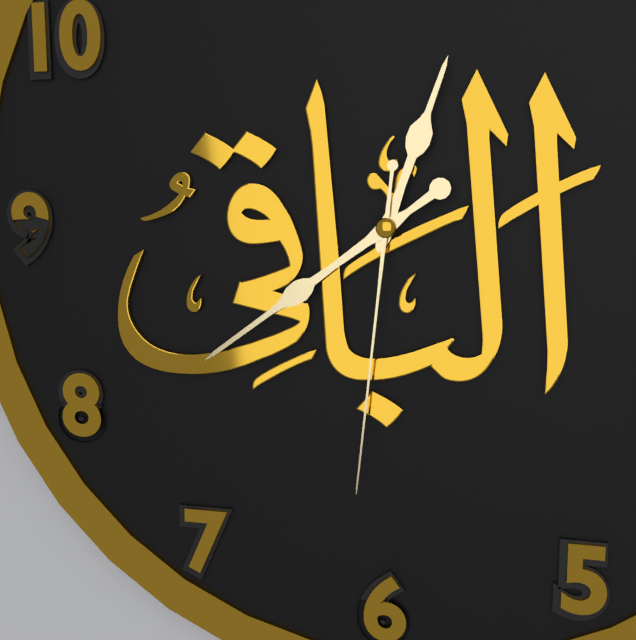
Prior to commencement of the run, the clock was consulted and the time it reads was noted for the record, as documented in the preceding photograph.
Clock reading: 12:39:31
